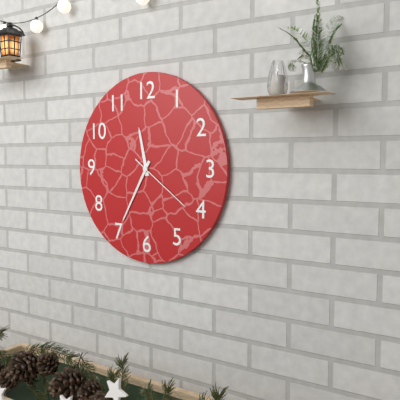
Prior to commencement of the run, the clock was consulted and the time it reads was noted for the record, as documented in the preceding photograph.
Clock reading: 11:35:21
